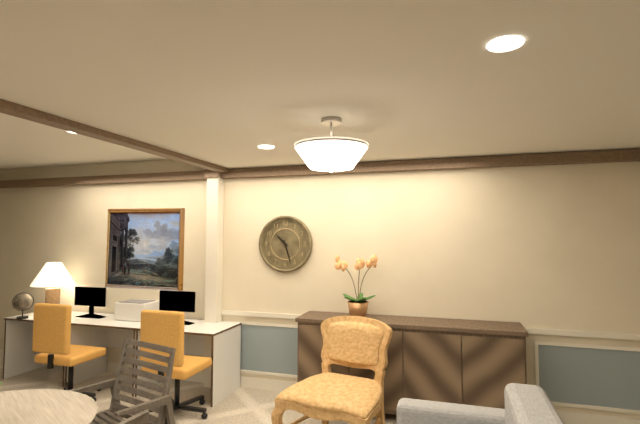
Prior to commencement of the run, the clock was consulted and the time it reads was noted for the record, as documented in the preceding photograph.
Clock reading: 10:27
